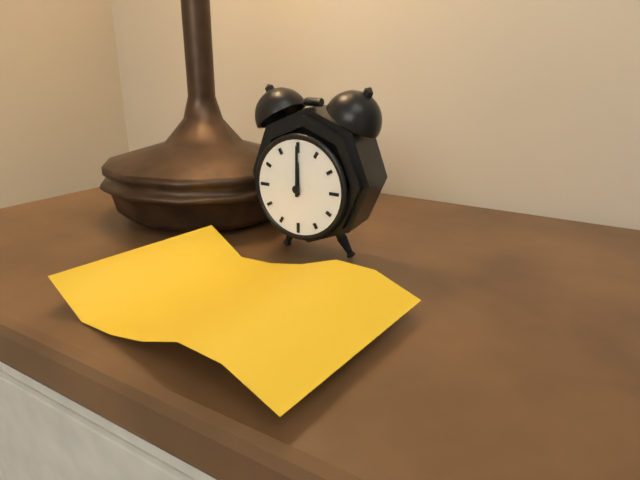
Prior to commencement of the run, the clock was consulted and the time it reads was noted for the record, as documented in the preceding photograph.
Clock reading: 12:00
